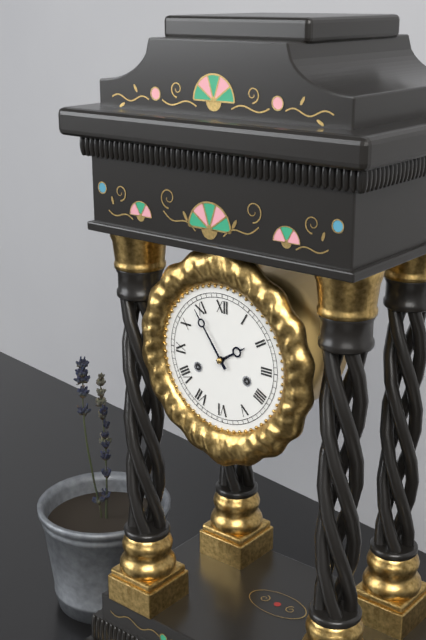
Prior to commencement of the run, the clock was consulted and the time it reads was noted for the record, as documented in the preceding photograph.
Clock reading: 1:54
